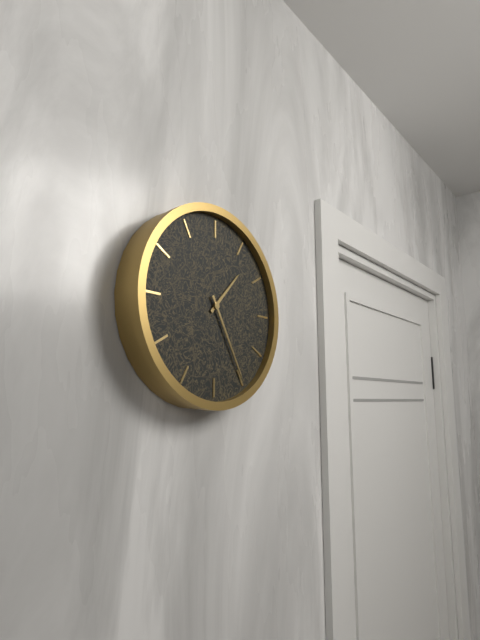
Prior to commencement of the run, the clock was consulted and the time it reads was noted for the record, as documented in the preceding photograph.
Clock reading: 1:25
